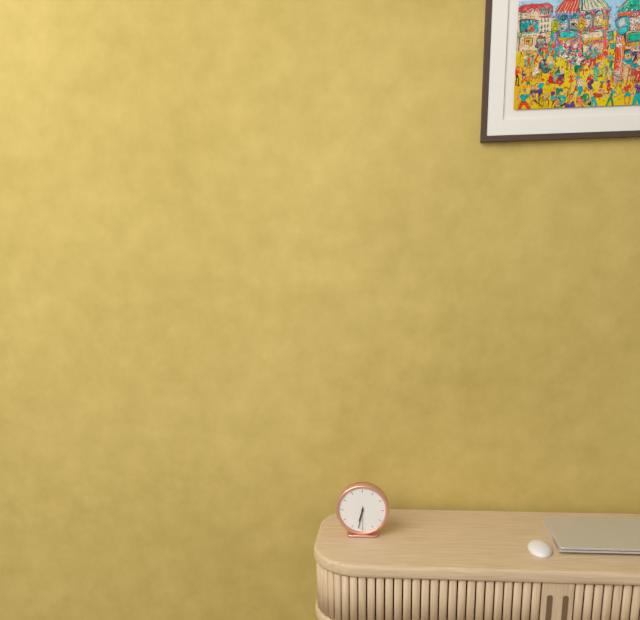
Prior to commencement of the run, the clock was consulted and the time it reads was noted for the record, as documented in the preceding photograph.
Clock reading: 6:32
